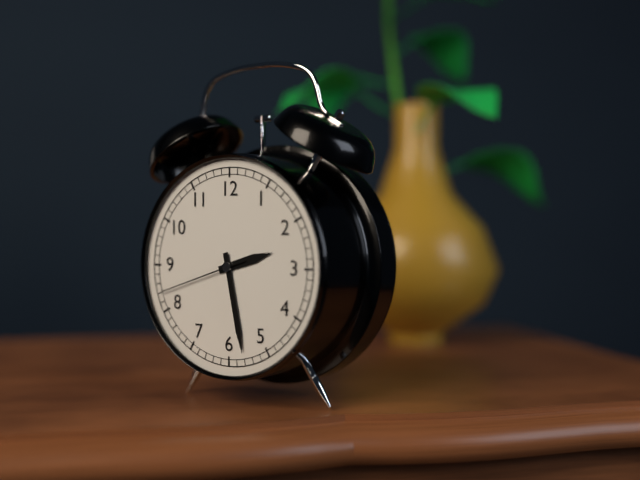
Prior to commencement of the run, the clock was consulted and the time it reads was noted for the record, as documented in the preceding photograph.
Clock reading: 2:28:42
